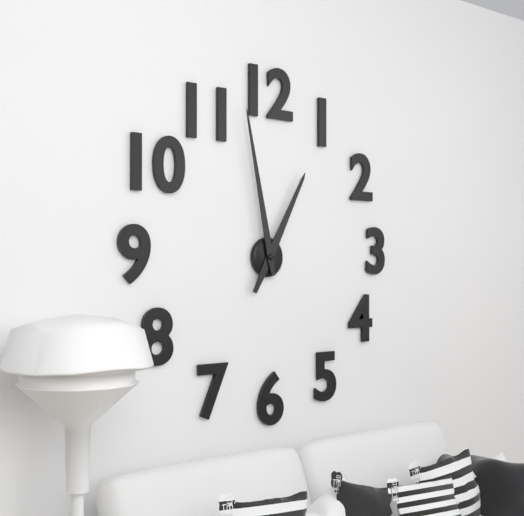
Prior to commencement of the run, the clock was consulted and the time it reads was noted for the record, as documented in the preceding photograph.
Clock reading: 12:58
